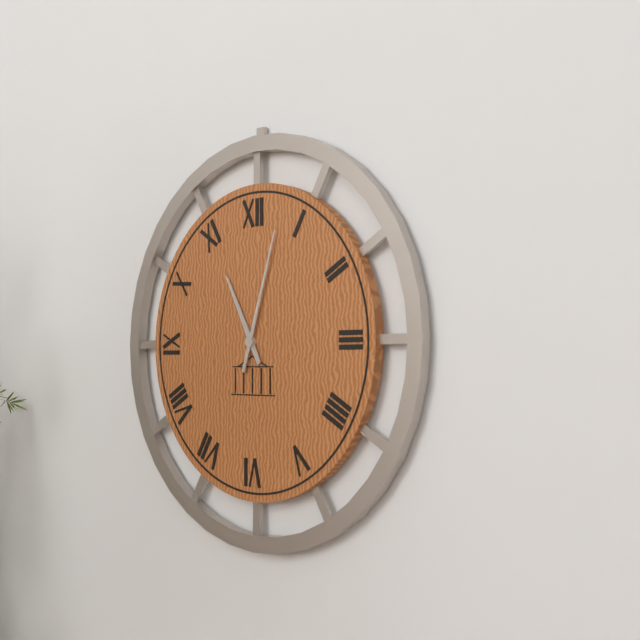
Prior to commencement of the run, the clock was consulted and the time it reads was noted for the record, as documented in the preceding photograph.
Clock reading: 11:03
